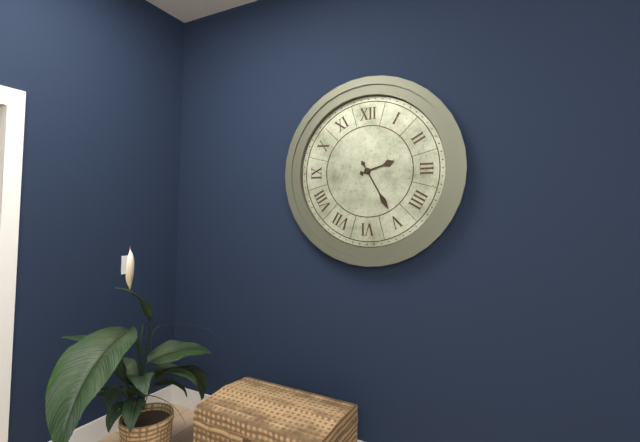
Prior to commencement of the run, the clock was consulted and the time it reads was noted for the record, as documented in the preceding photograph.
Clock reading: 2:25
